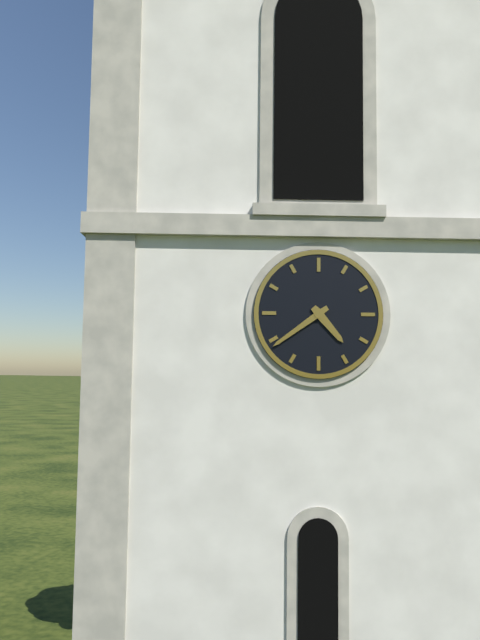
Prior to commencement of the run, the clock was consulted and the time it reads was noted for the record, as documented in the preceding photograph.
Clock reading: 4:39
